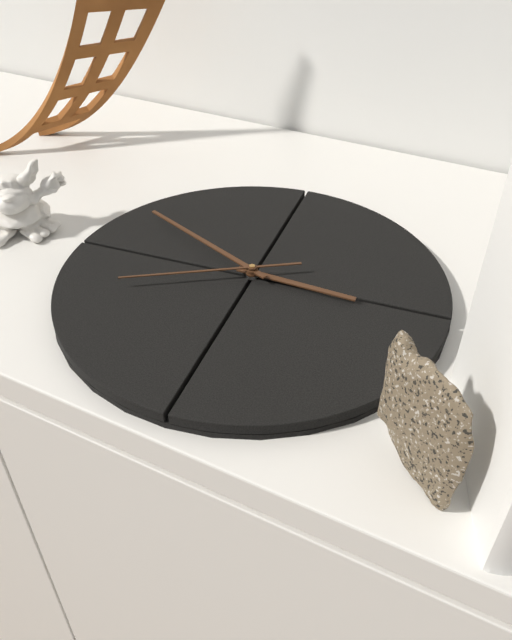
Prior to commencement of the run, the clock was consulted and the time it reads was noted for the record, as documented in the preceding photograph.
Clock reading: 3:53:44
